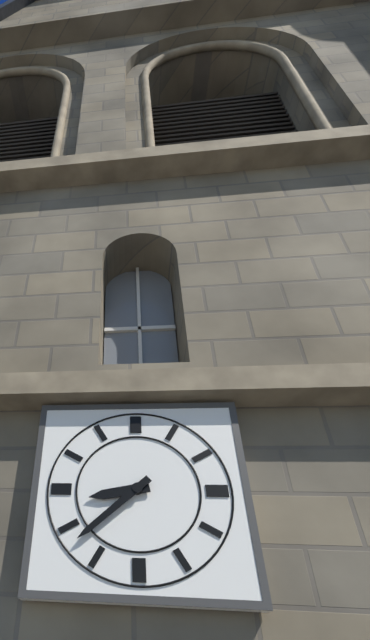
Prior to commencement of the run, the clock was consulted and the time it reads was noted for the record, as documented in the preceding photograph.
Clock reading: 8:38
